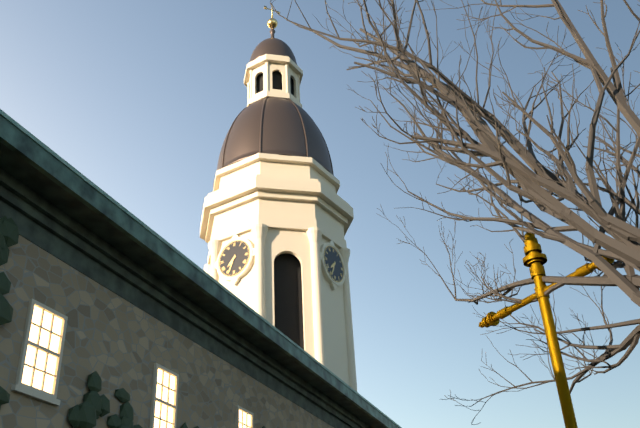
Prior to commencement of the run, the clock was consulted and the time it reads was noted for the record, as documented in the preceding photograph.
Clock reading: 7:34
